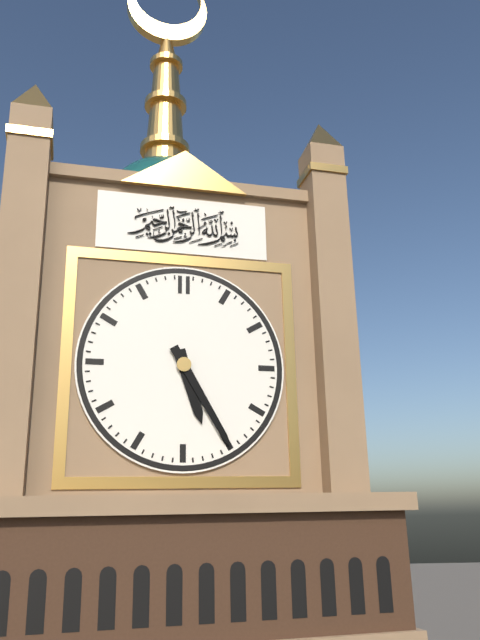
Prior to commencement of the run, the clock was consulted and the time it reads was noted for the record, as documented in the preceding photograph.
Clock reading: 5:25
